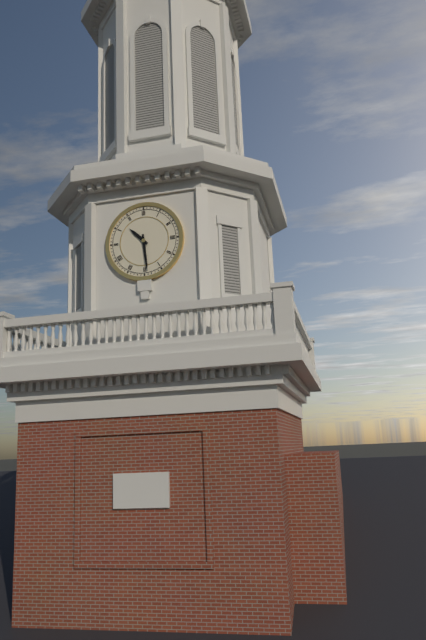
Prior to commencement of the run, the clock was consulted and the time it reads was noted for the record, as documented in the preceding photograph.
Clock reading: 10:29
